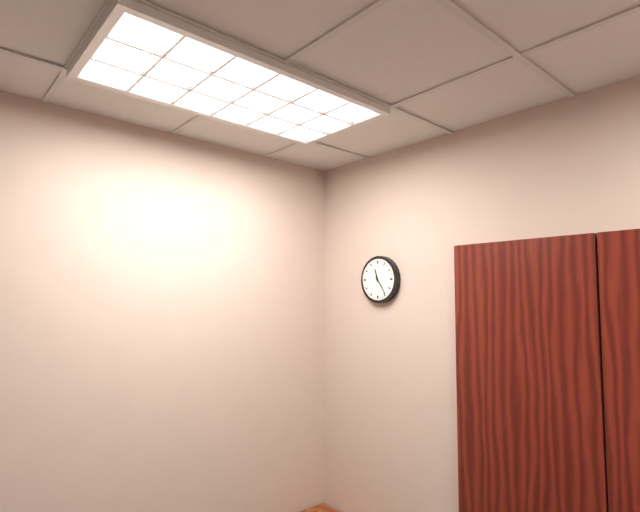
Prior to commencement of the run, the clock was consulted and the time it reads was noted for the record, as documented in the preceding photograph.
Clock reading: 11:24
